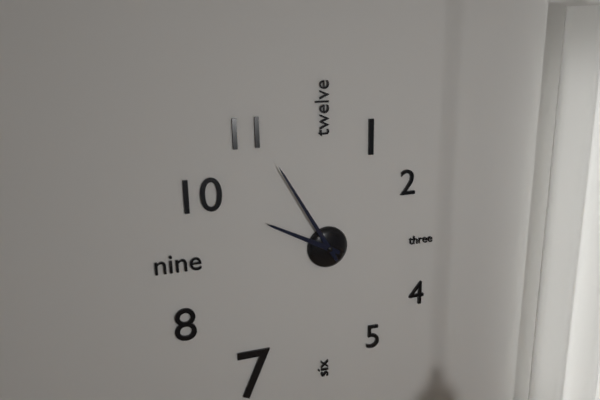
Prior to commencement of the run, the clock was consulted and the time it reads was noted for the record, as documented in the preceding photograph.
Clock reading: 9:55
